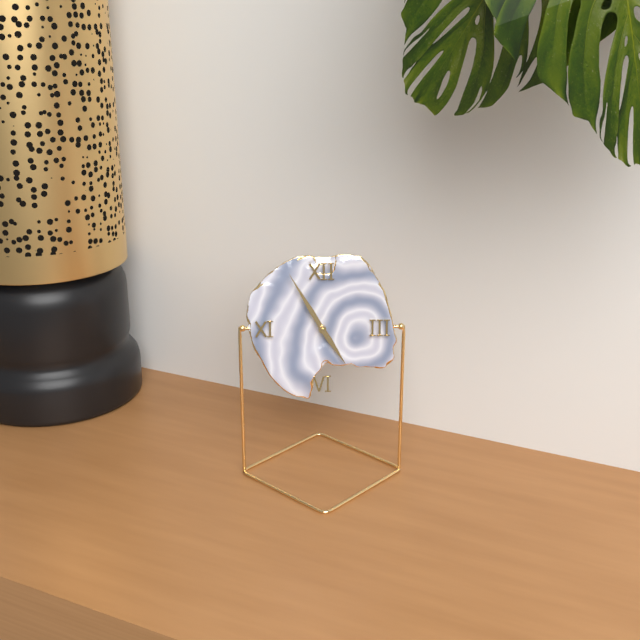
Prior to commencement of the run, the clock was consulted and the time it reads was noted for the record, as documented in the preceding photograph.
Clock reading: 4:55
